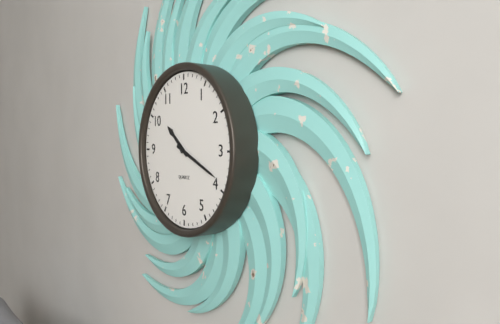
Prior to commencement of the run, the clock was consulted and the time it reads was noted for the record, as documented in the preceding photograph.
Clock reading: 10:19
